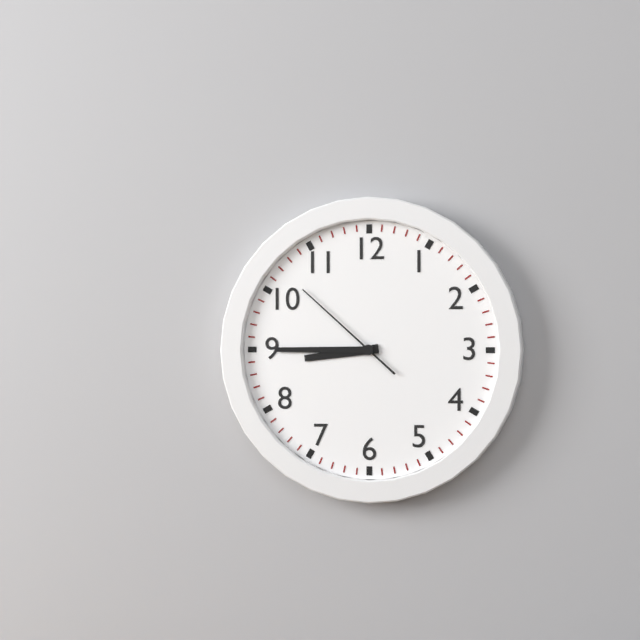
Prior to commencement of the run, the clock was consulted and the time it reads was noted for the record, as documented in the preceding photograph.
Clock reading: 8:45:52
